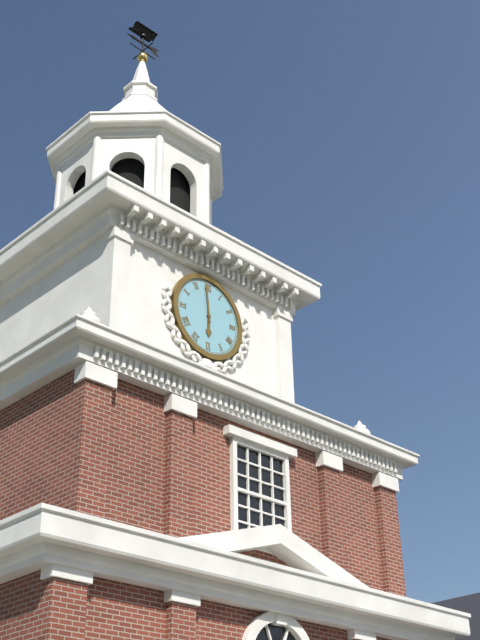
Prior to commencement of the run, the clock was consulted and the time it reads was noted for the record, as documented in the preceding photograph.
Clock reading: 5:59
